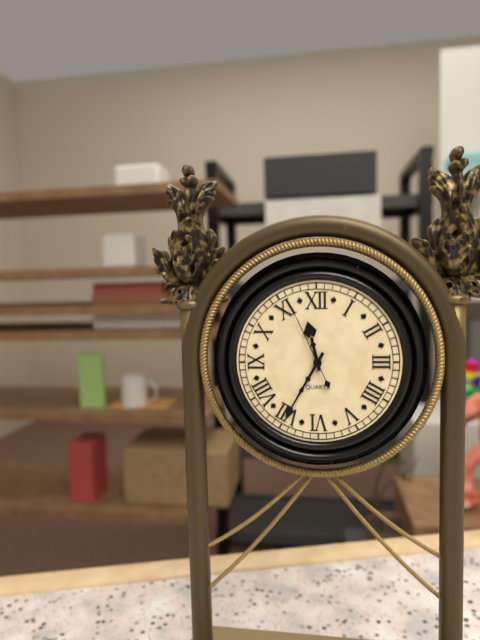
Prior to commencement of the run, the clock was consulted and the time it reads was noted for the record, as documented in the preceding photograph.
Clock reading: 11:35:56
